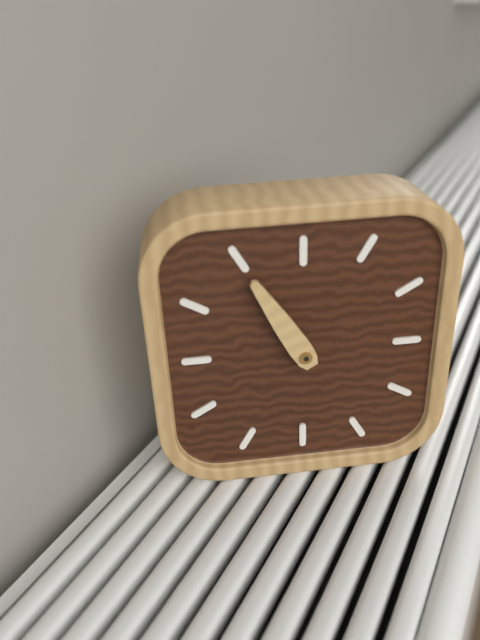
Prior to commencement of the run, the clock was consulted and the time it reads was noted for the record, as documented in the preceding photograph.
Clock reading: 10:55
